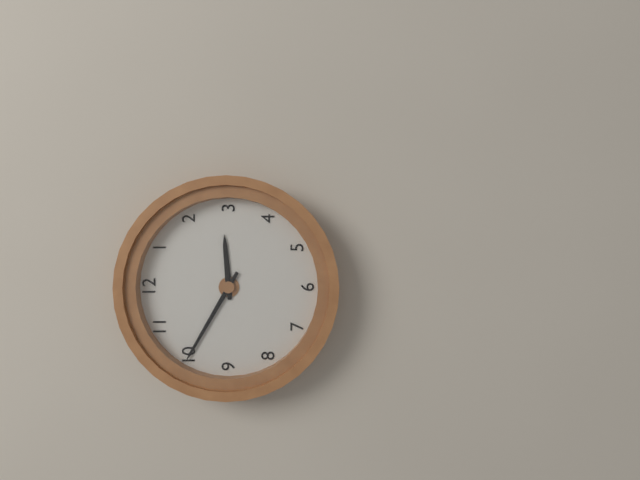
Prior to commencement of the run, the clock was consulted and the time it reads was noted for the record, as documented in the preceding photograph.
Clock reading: 2:50
